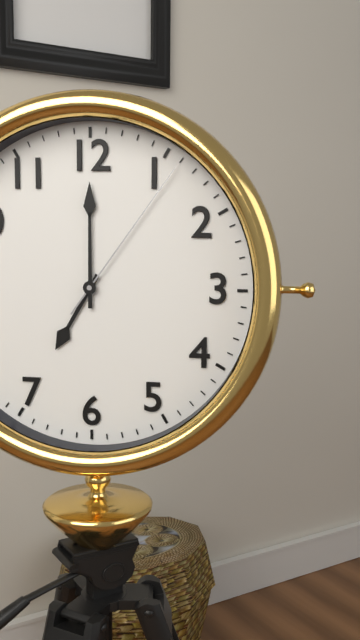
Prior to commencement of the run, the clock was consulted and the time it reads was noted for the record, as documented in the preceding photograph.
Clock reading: 7:00:06
